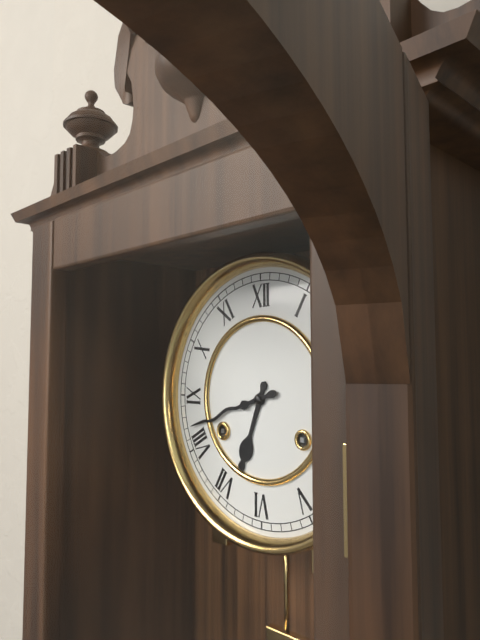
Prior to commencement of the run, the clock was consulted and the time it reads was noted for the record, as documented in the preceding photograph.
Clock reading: 6:42
